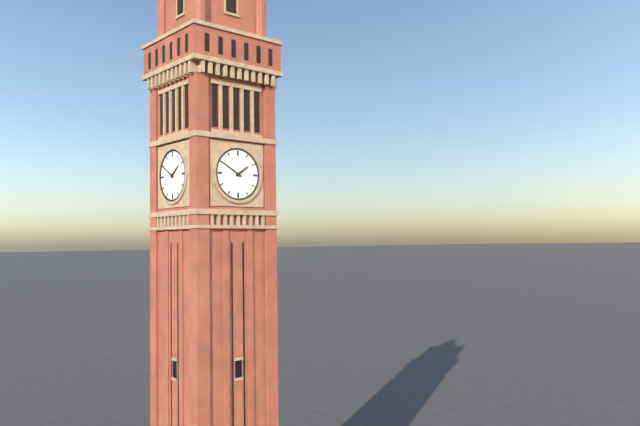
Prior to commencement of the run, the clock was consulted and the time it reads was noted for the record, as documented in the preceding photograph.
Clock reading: 1:50
